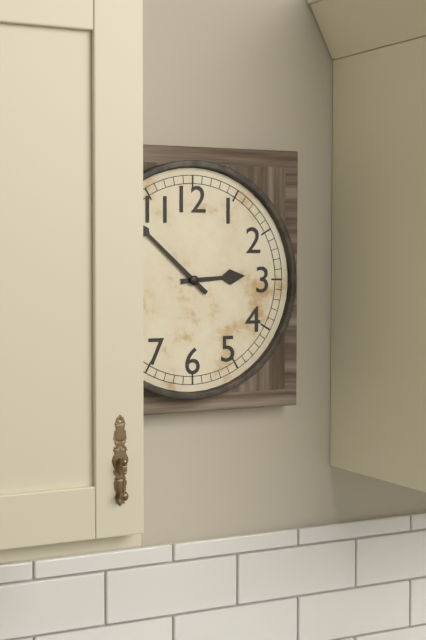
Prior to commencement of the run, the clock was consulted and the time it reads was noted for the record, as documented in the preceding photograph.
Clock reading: 2:52
